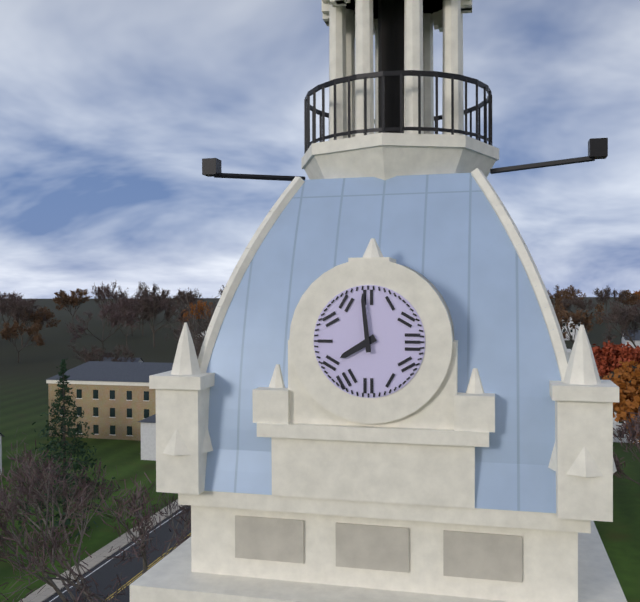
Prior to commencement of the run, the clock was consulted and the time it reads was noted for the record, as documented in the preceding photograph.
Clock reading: 7:59
